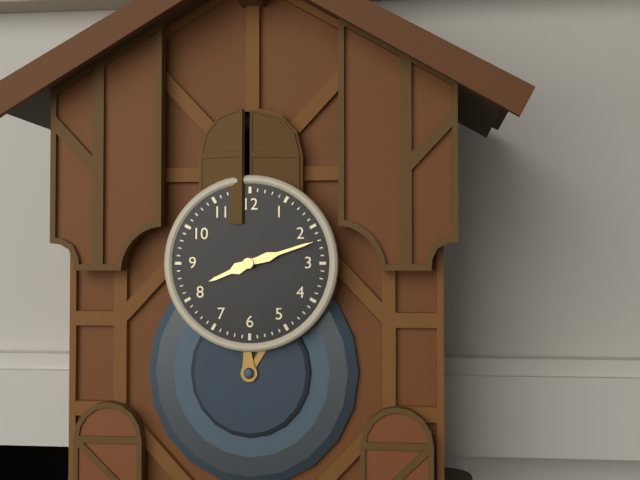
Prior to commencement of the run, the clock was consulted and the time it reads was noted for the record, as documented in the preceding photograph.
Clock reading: 8:12
